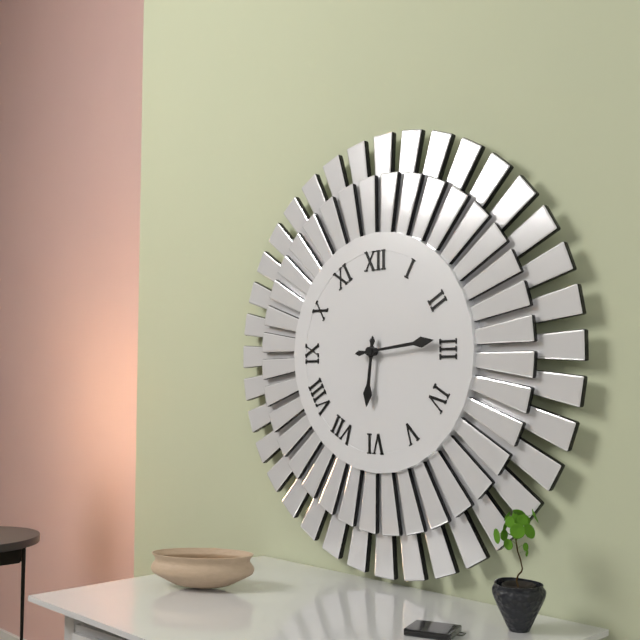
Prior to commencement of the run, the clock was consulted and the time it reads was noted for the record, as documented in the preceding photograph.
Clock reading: 6:14
